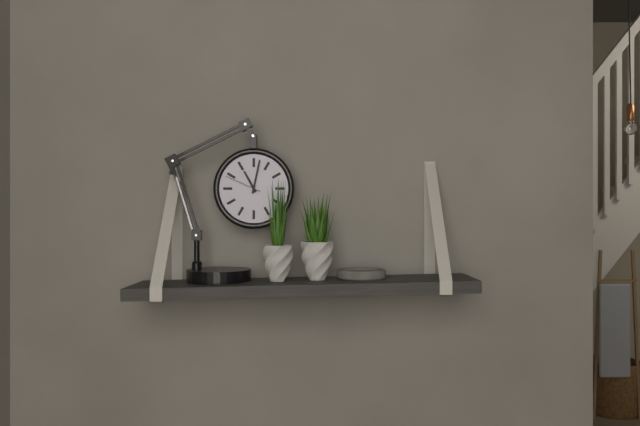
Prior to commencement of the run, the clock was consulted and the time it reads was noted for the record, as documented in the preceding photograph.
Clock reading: 11:02
